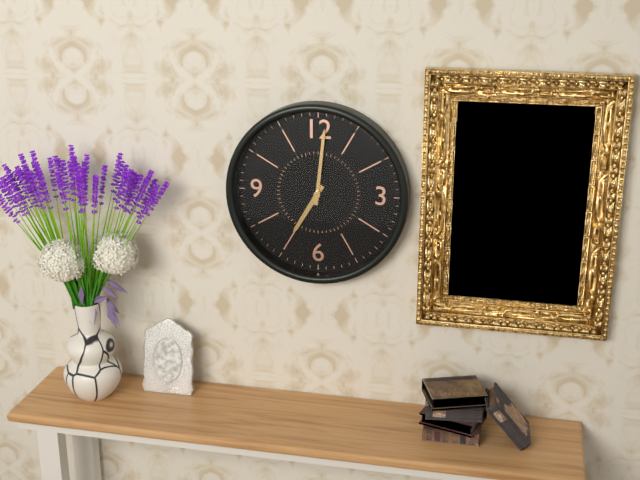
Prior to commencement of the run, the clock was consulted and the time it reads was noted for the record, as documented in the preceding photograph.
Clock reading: 7:01
